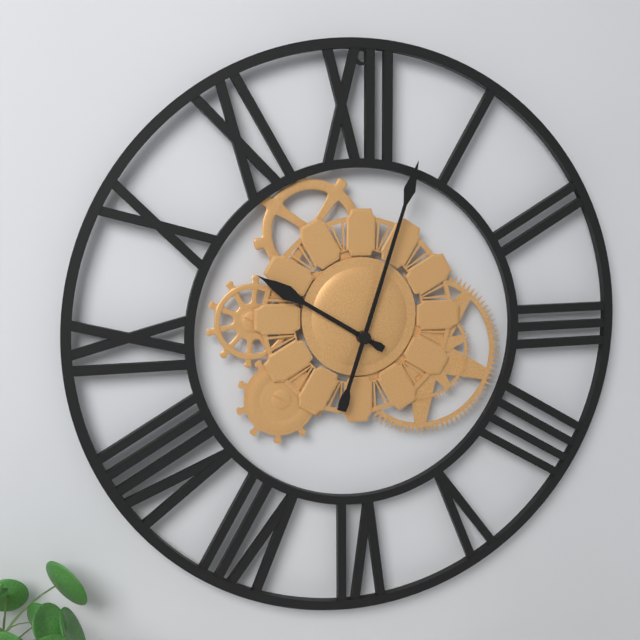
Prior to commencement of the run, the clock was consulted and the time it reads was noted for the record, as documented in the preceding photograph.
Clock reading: 10:03
